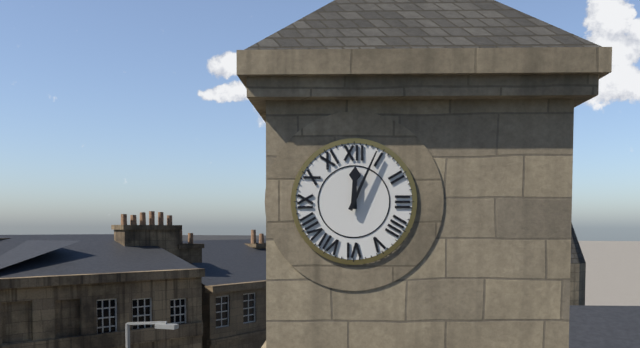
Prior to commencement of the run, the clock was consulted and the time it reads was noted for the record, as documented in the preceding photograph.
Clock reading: 12:04
